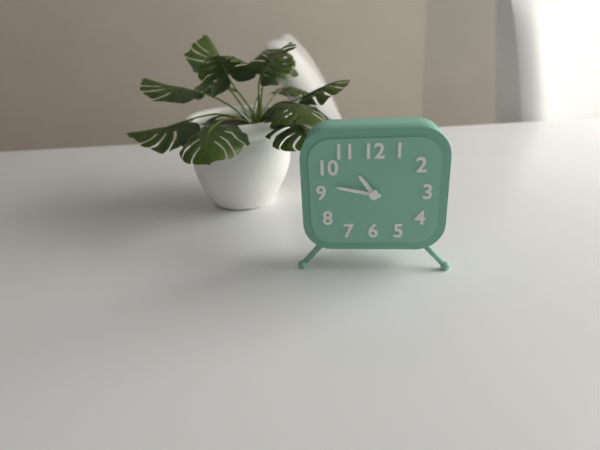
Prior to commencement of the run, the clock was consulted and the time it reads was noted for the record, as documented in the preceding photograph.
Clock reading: 10:47
